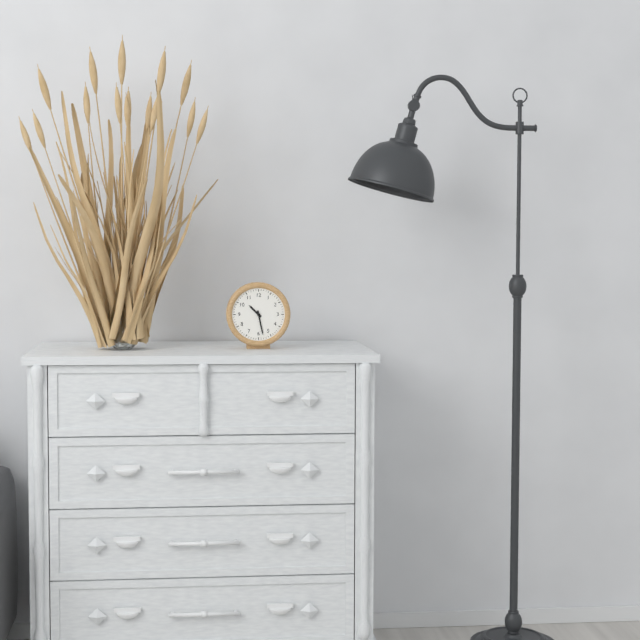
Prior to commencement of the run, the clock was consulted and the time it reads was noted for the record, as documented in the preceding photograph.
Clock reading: 10:28
